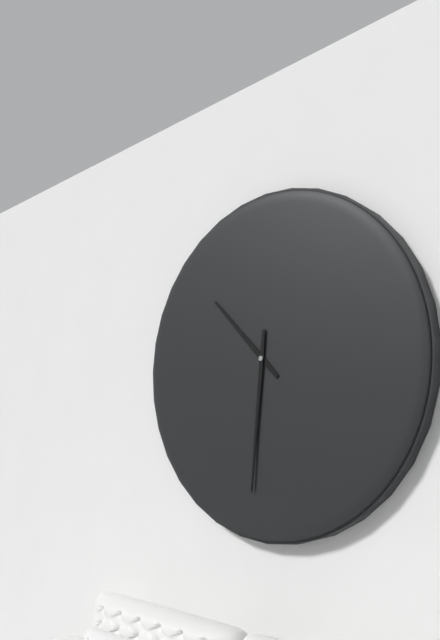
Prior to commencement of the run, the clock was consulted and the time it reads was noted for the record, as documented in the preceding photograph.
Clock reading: 10:31
